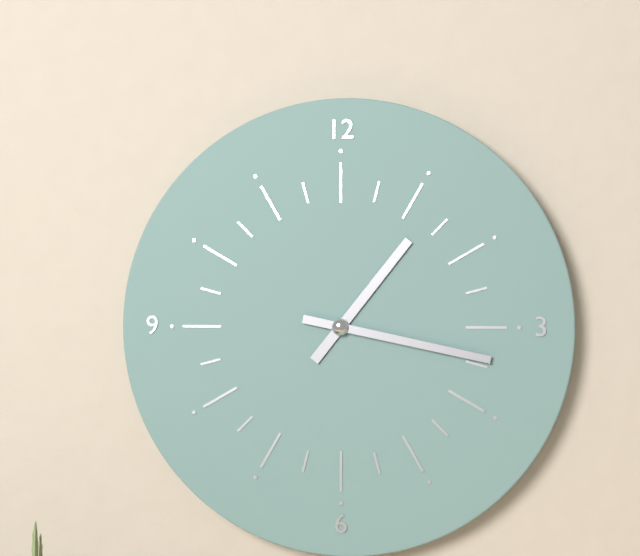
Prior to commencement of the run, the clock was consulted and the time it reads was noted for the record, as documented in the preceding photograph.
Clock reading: 1:17
